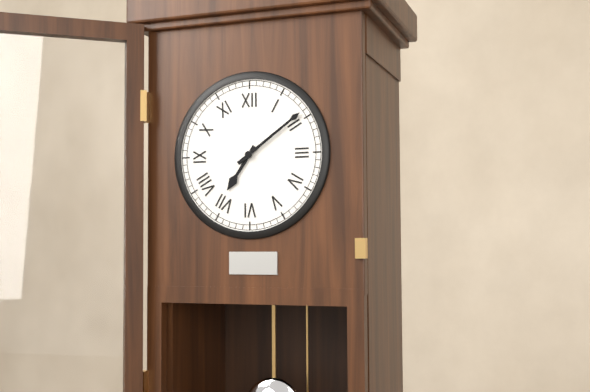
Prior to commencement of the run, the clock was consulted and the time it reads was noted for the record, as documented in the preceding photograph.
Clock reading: 7:09
